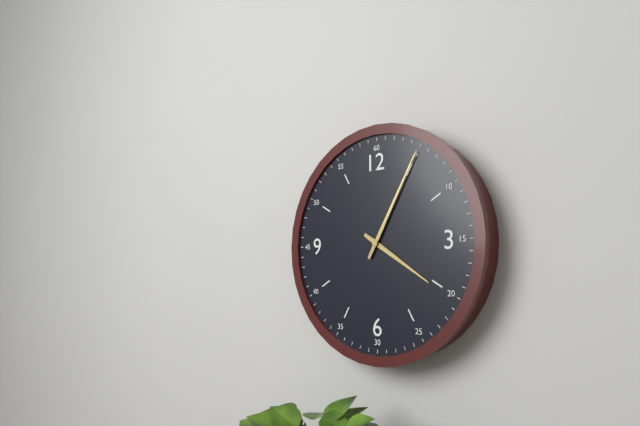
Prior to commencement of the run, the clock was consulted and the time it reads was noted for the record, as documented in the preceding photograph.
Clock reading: 4:05
